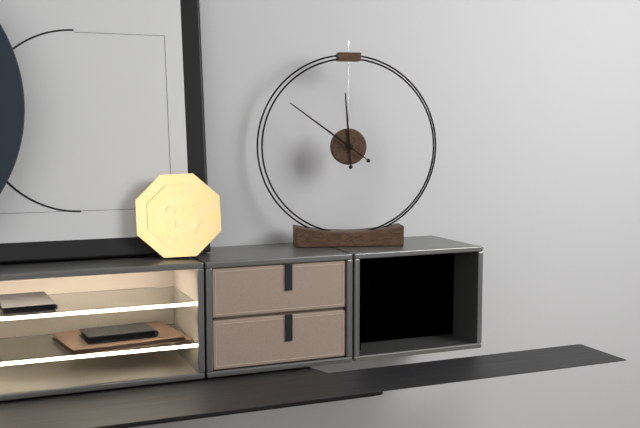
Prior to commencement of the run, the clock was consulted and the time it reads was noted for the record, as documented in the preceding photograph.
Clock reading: 11:51
